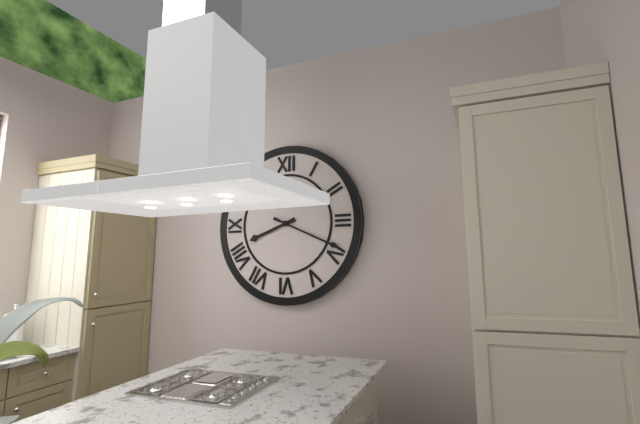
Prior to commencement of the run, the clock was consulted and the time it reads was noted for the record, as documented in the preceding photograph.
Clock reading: 8:19
